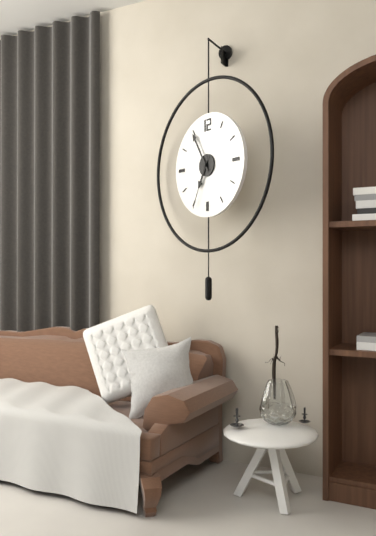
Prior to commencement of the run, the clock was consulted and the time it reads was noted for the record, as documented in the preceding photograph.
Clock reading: 6:55:34
